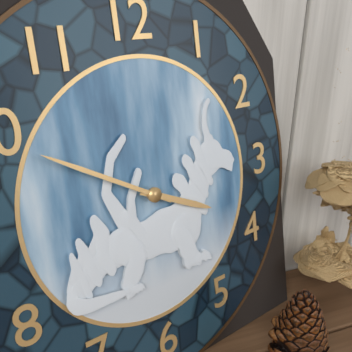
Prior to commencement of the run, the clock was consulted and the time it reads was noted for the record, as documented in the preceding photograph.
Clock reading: 3:50
